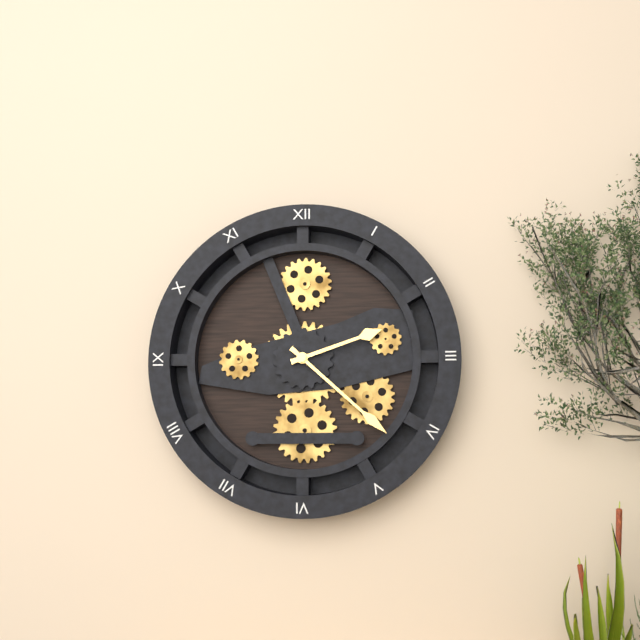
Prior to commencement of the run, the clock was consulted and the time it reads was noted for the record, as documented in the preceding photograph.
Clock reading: 2:22
